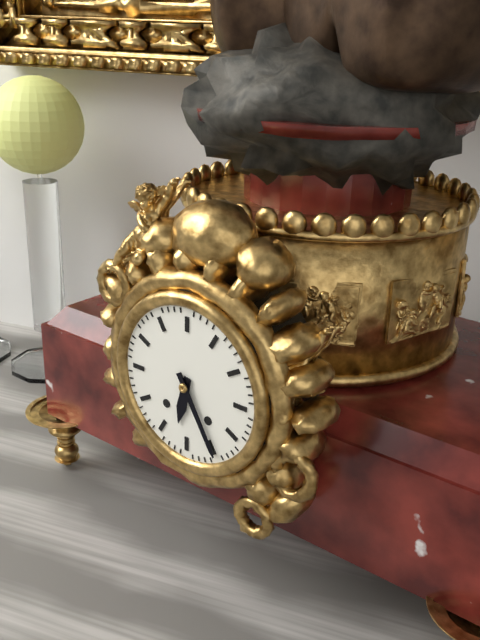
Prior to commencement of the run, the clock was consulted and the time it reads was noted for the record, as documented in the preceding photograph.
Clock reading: 6:25
